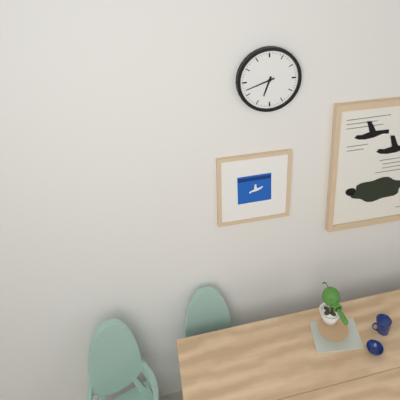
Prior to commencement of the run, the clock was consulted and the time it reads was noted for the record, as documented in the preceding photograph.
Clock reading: 6:42
